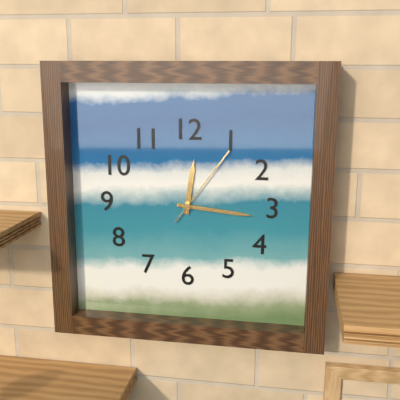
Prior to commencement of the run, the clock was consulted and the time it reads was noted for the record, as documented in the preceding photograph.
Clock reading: 12:16:06
